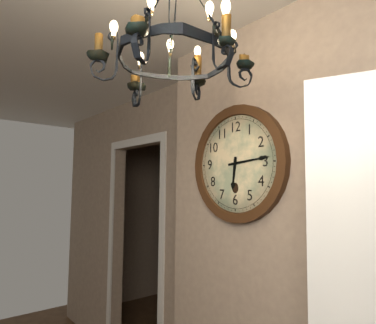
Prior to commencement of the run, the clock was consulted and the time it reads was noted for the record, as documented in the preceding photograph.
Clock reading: 6:14
